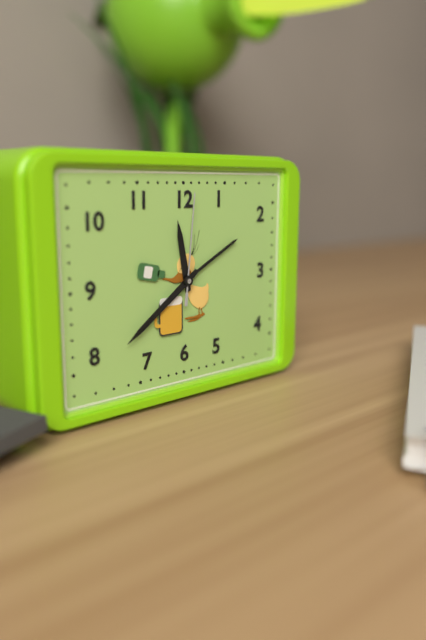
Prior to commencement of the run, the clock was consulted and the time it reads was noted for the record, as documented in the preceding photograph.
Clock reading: 11:39:01
